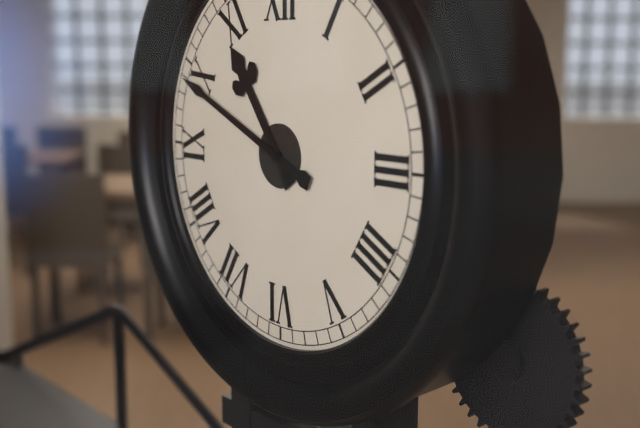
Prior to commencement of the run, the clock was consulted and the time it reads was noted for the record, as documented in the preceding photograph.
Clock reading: 10:49
